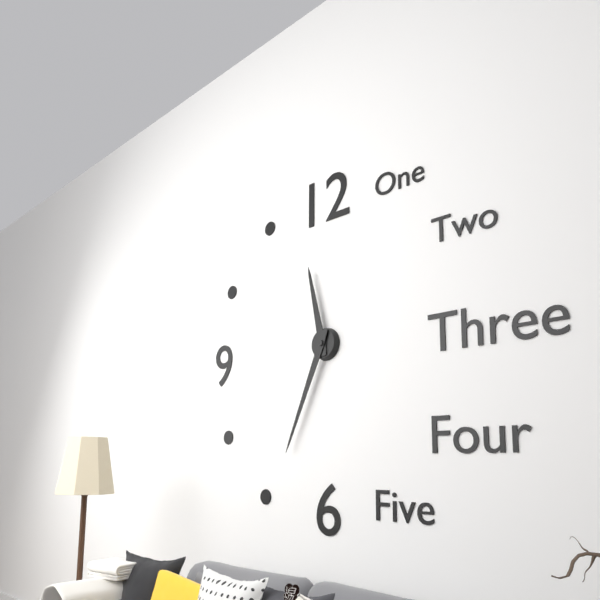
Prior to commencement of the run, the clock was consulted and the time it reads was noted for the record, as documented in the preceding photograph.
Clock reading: 11:34
